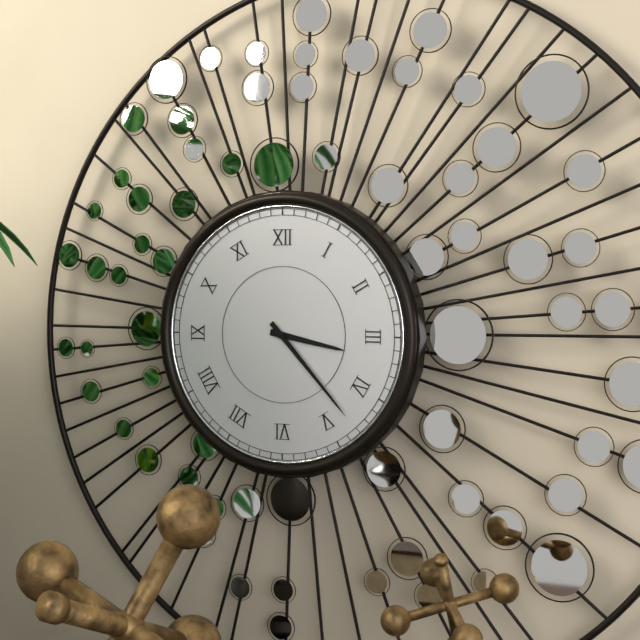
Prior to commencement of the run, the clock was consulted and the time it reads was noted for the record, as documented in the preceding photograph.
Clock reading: 3:23
